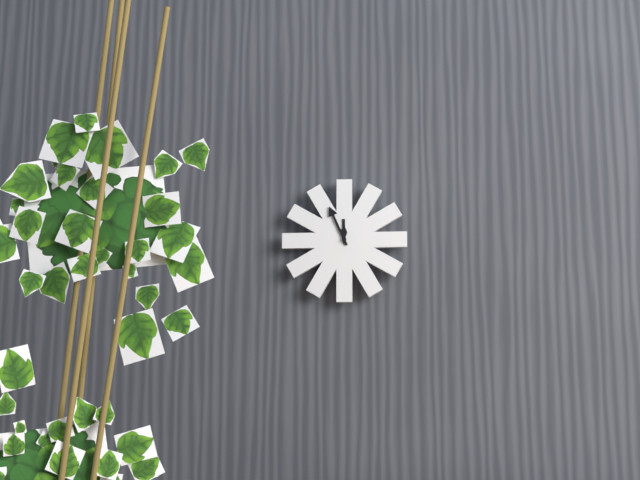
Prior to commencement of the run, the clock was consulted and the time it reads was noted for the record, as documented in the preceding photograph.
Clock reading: 11:56
